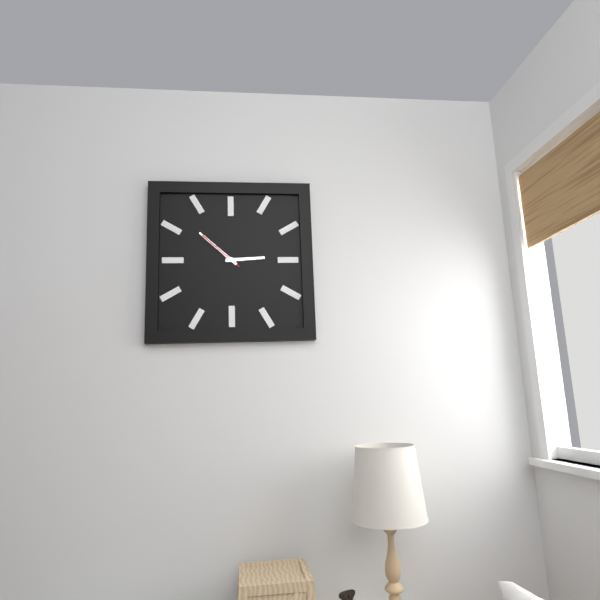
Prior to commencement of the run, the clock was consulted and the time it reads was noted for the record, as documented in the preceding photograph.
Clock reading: 2:52
